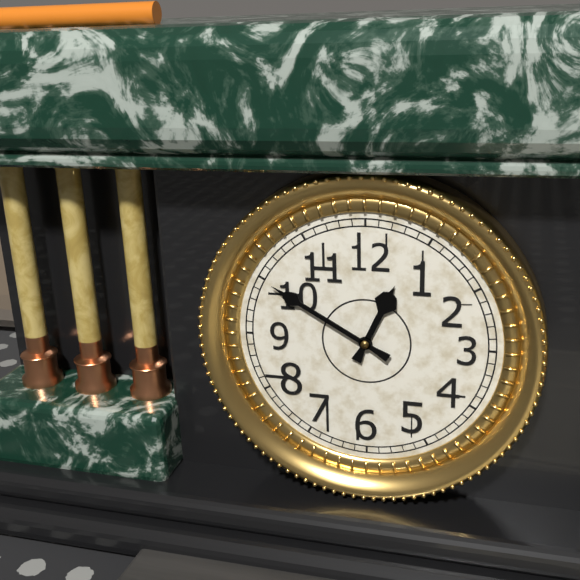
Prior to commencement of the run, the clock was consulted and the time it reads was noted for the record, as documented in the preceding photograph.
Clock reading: 12:50
